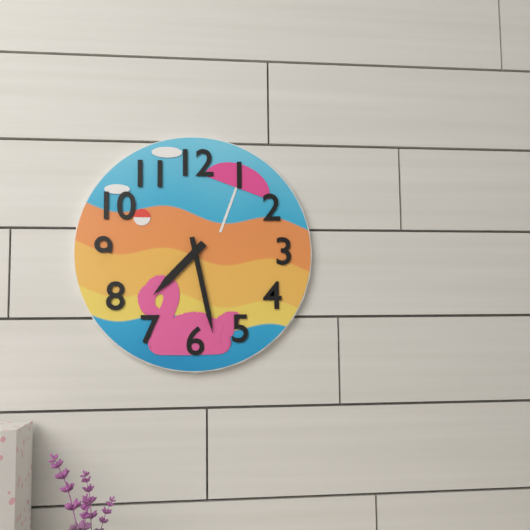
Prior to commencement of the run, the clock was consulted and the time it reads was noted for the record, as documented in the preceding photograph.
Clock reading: 7:28
